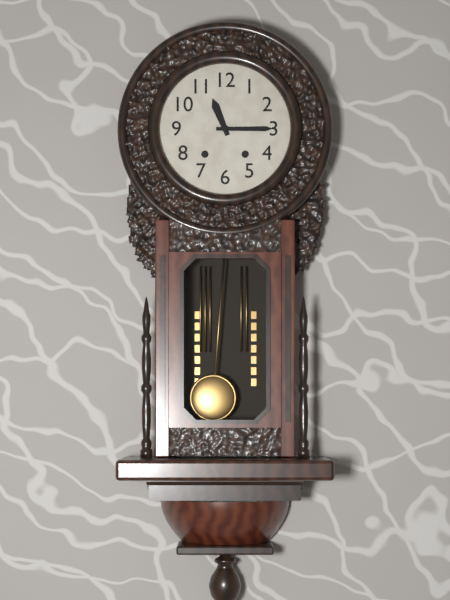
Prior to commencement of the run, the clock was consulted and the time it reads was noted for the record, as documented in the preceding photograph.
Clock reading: 11:15
